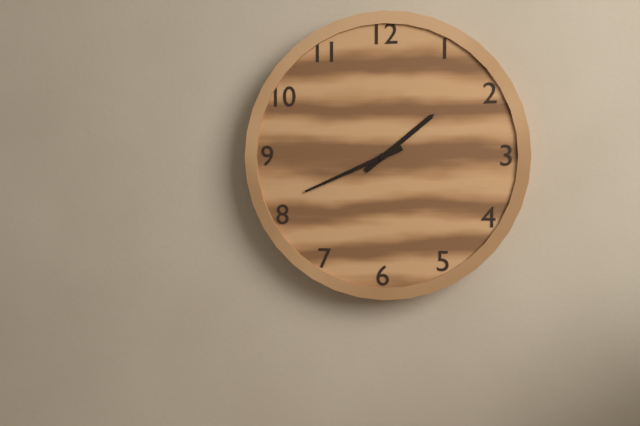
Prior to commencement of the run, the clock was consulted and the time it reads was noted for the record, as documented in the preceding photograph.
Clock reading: 1:41
